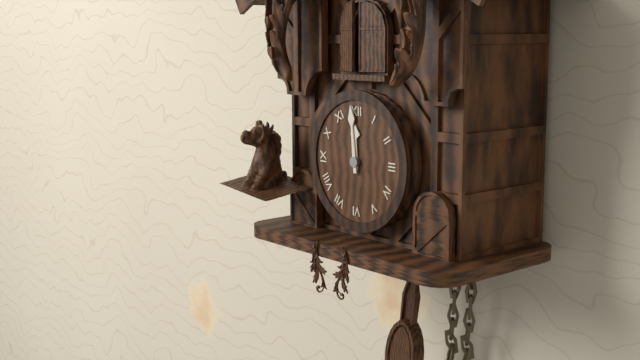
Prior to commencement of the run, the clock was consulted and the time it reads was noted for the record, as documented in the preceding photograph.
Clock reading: 11:59
